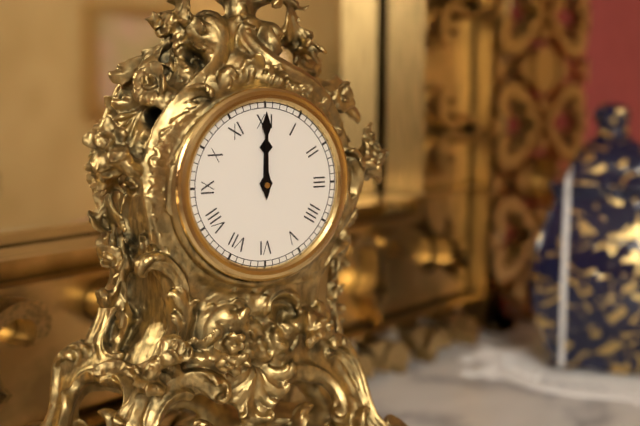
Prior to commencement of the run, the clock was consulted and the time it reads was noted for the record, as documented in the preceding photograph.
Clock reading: 12:00
